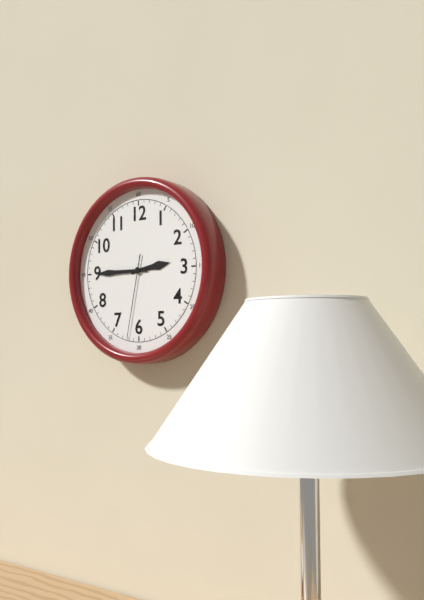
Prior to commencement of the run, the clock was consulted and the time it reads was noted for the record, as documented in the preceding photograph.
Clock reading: 2:45:32
